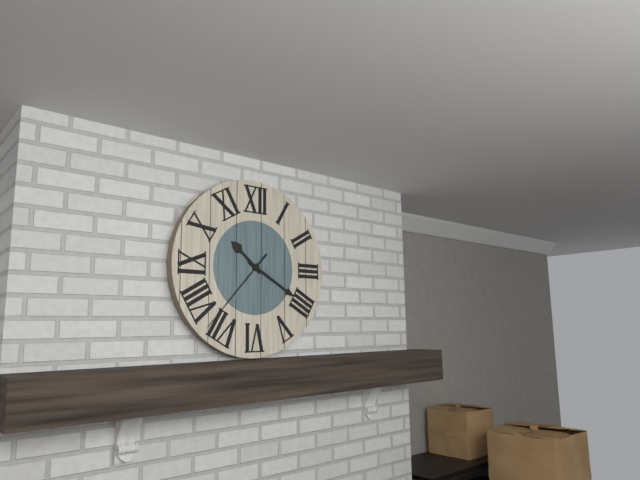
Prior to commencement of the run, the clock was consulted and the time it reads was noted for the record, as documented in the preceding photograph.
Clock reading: 10:20:37
